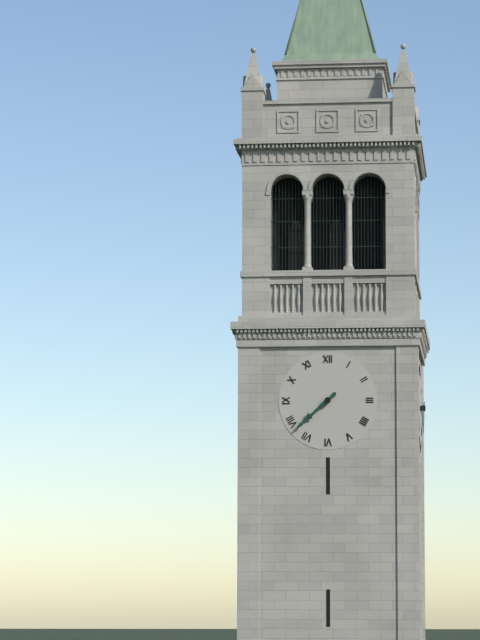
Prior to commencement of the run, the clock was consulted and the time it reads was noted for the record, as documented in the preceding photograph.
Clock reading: 7:38
